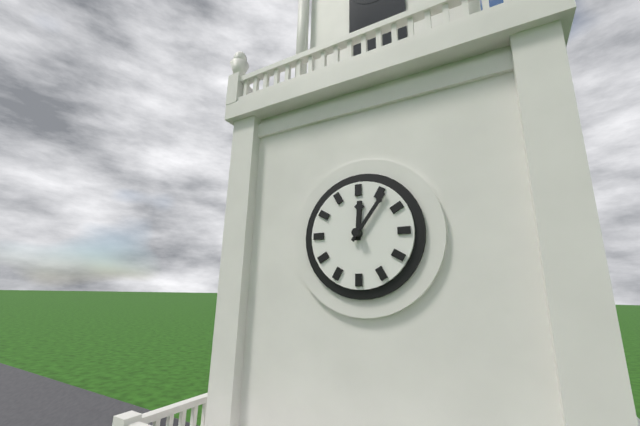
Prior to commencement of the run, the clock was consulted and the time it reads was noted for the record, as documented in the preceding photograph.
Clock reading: 12:06
